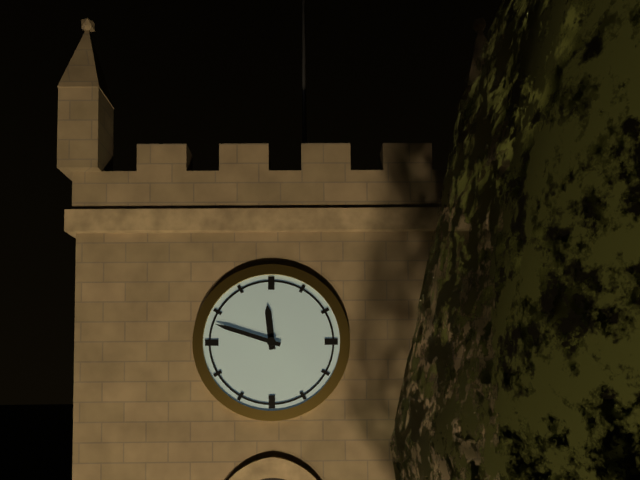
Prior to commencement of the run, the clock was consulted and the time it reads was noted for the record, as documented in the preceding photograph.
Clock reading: 11:48
